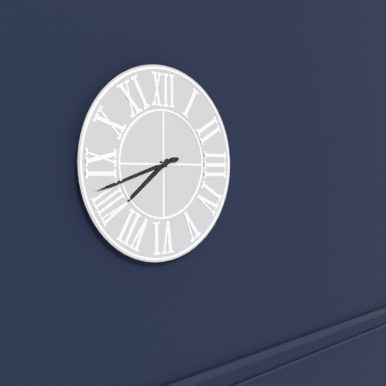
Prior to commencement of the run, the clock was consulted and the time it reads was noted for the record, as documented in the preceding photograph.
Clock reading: 7:42
